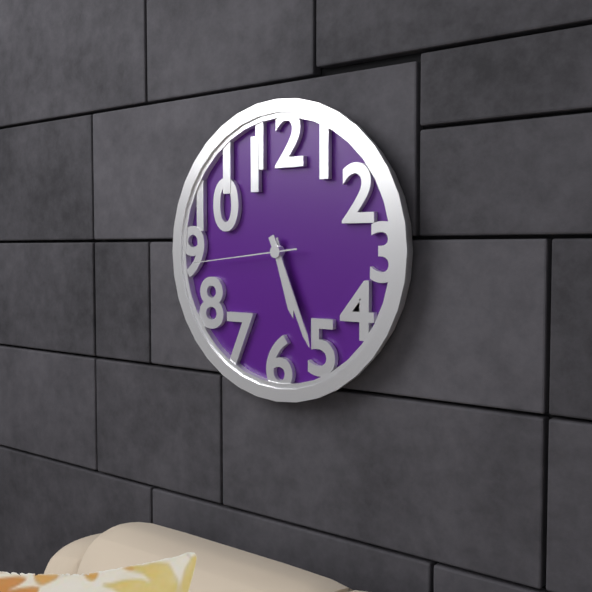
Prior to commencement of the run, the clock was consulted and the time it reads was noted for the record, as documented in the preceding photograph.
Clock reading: 5:26:44
